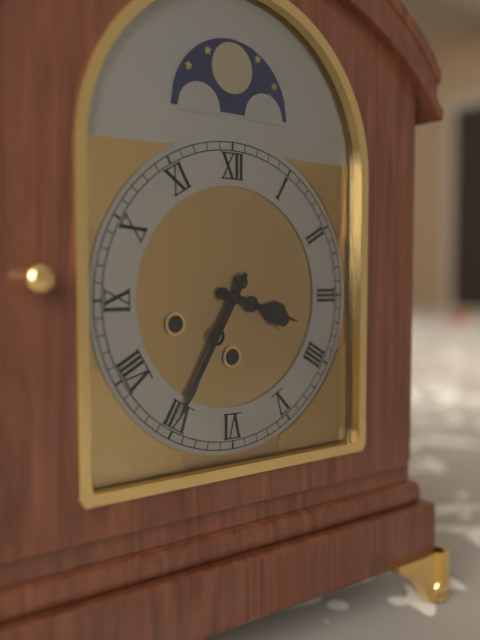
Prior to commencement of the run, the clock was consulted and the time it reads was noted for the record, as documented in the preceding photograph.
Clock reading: 3:35
